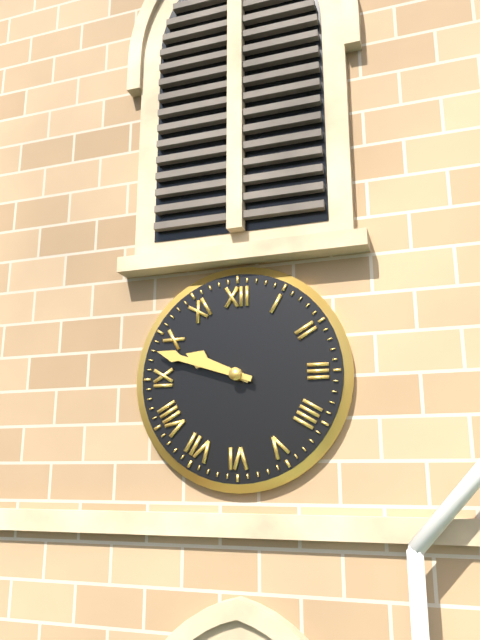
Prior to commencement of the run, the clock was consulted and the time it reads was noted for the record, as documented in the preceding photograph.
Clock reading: 9:48
